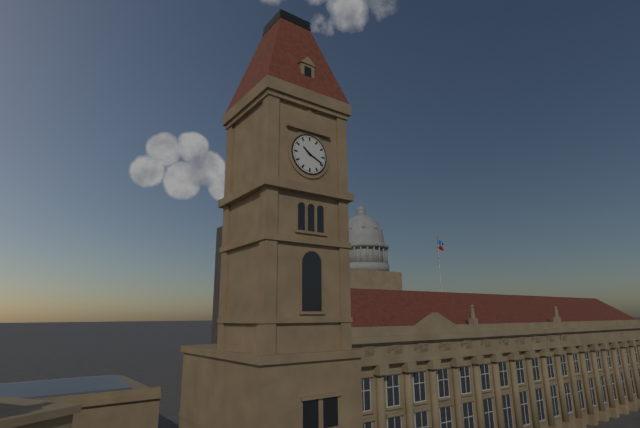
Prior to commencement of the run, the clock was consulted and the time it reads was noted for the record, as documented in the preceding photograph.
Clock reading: 10:19
